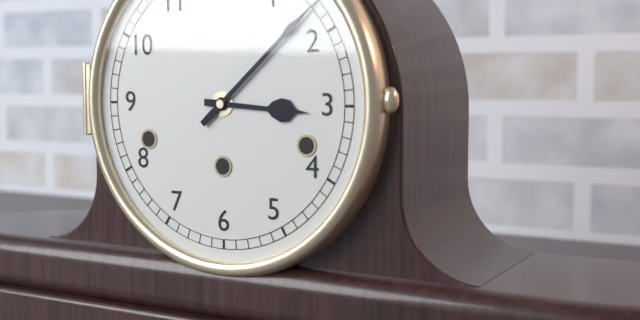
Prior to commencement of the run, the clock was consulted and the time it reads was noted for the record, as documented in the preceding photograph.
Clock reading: 3:08
